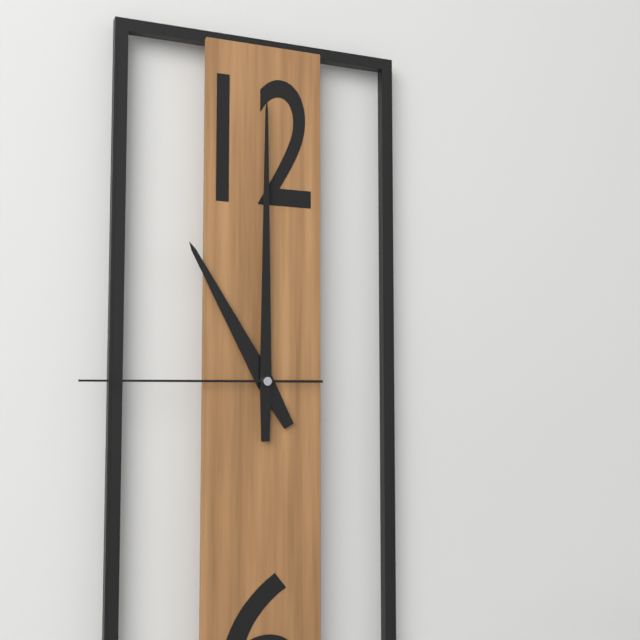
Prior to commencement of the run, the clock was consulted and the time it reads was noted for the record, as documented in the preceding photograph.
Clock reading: 11:00:45
